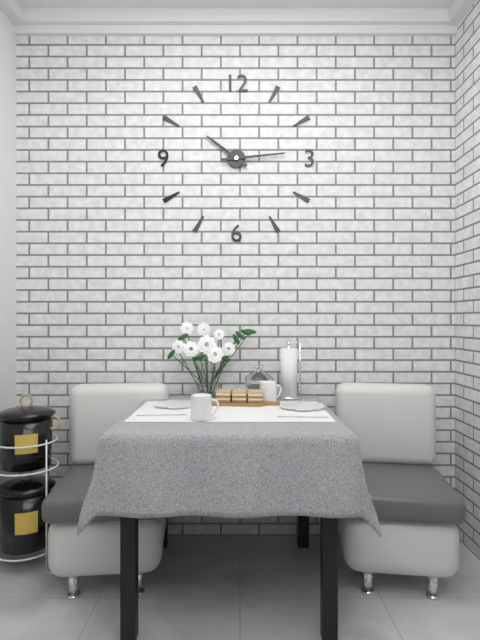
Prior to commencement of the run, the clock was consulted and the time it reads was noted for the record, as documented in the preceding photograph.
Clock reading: 10:14
